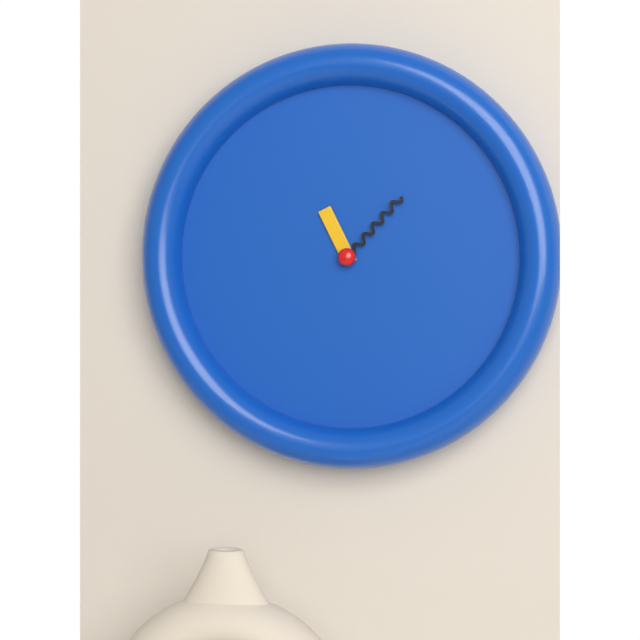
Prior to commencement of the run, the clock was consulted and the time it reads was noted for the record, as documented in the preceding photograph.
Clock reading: 11:07
